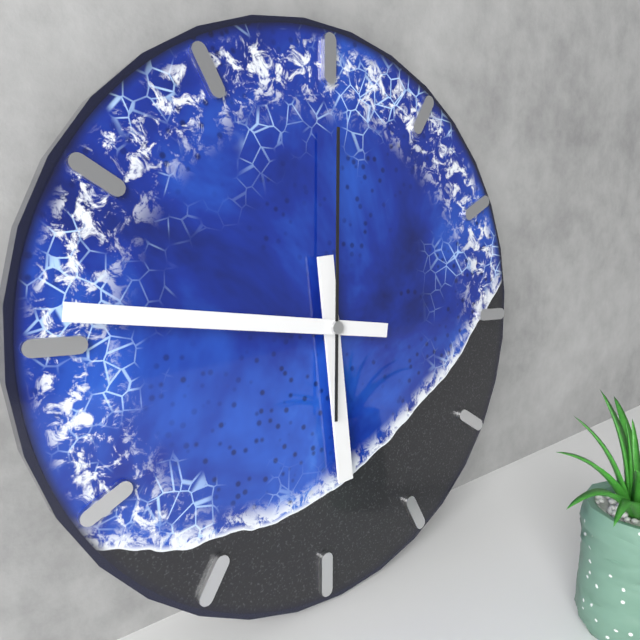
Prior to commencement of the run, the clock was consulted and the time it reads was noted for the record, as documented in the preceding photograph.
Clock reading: 5:46:00
